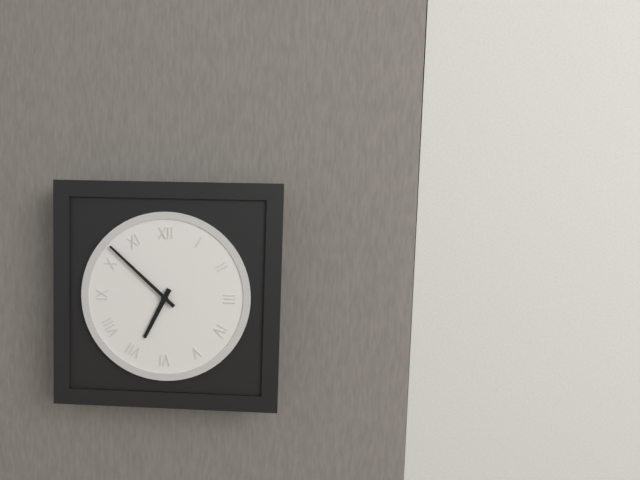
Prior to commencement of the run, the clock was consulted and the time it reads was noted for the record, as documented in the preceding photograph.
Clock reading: 6:52
